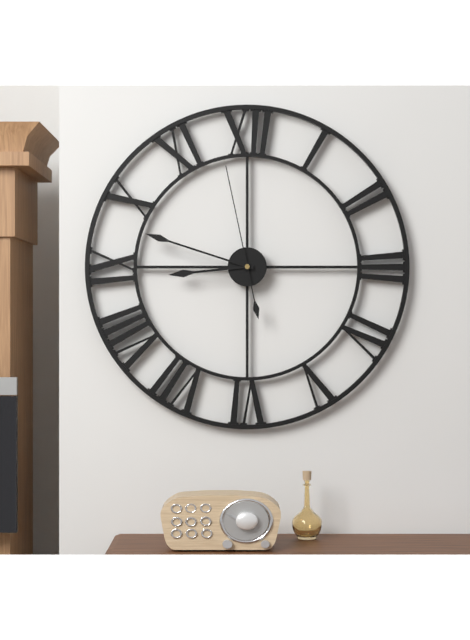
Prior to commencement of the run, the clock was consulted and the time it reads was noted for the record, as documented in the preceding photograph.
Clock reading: 8:48:58
